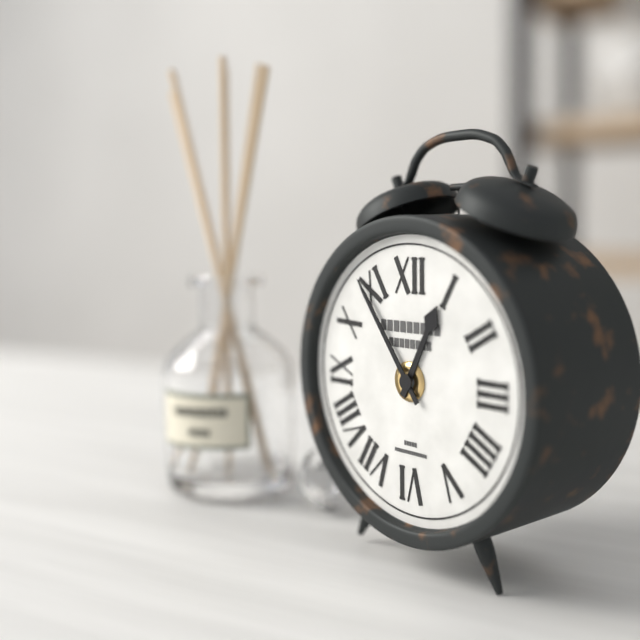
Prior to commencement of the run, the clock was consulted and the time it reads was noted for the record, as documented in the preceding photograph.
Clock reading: 12:54
